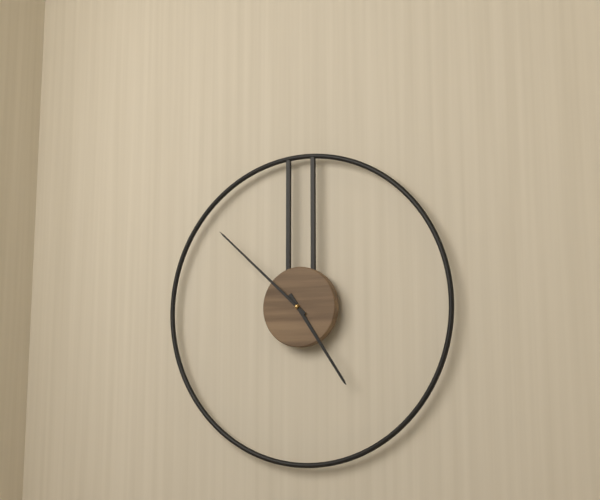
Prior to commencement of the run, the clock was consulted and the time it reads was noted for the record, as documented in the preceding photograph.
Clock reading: 4:52
